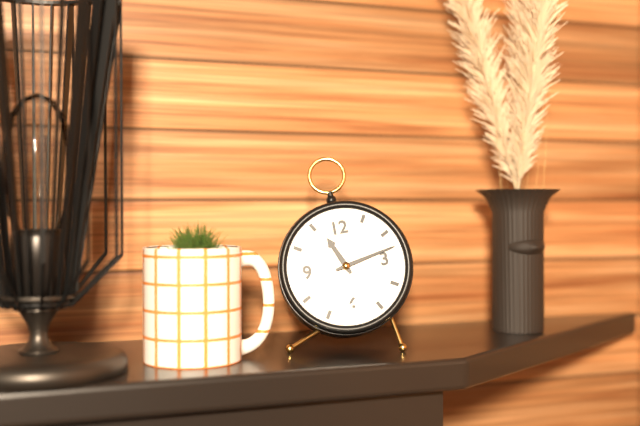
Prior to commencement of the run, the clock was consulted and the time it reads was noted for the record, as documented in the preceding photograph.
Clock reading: 11:13
